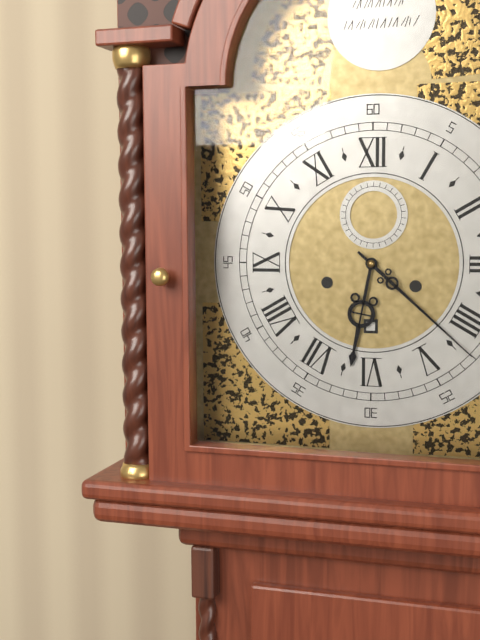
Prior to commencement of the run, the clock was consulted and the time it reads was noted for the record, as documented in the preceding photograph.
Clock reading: 6:22
